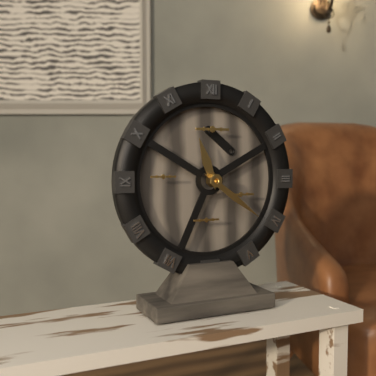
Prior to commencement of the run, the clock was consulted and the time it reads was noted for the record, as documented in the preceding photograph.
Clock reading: 11:21
